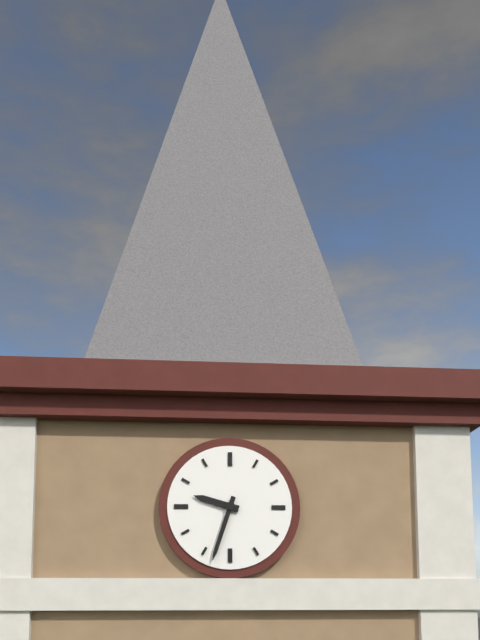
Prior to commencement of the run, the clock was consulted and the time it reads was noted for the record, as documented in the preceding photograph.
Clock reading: 9:33
